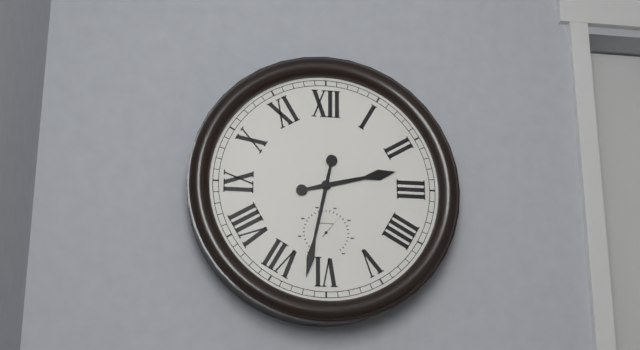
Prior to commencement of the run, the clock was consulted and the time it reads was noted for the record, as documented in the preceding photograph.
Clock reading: 2:32
